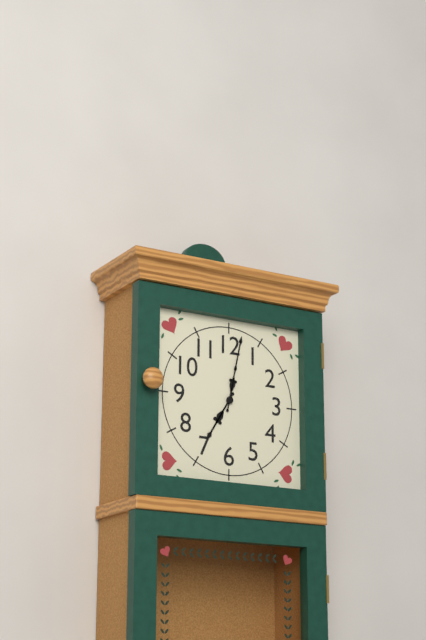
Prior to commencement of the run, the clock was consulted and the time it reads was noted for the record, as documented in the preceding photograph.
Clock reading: 7:02
